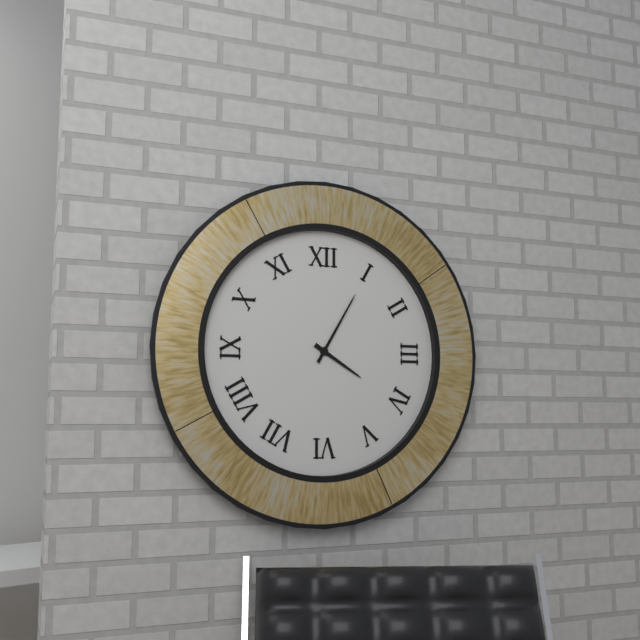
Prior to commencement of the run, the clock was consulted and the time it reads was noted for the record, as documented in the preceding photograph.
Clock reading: 4:05
